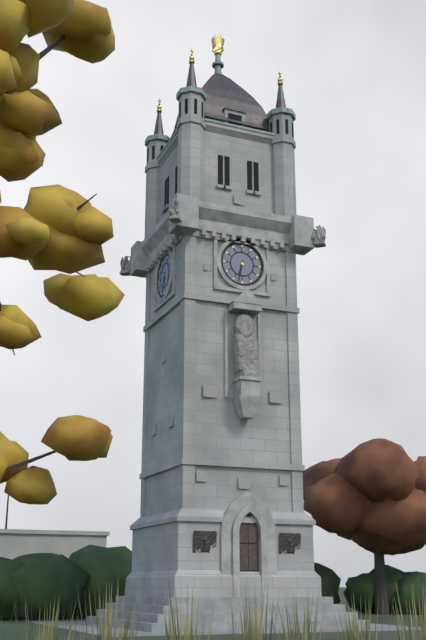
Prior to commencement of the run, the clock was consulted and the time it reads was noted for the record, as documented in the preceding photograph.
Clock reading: 6:32
